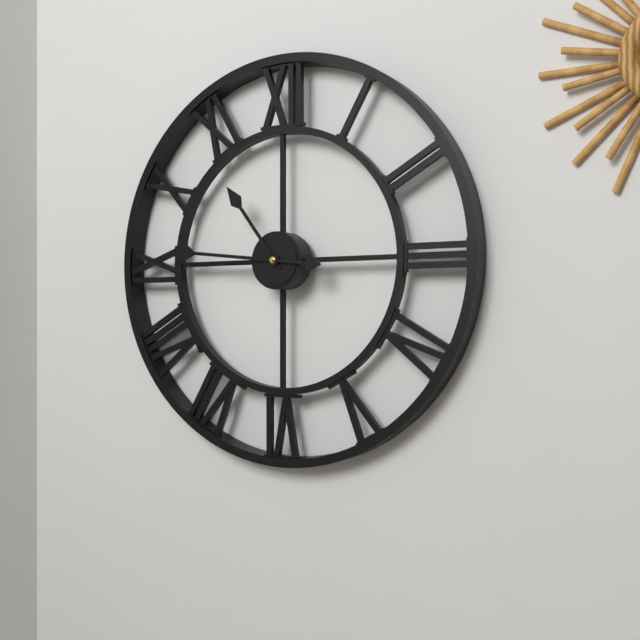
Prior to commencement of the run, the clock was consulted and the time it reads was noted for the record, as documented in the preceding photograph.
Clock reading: 10:46
